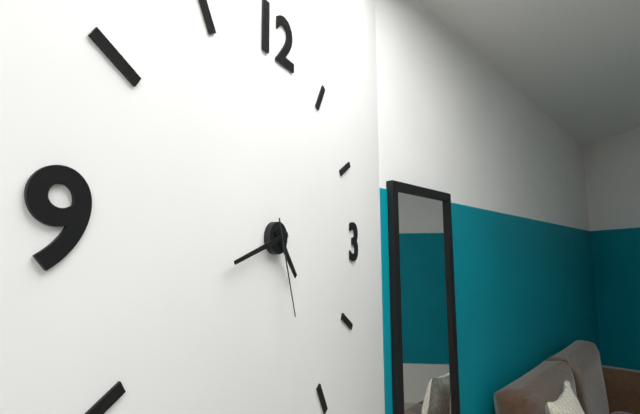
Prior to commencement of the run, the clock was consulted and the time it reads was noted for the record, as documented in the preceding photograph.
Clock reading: 4:42:27
